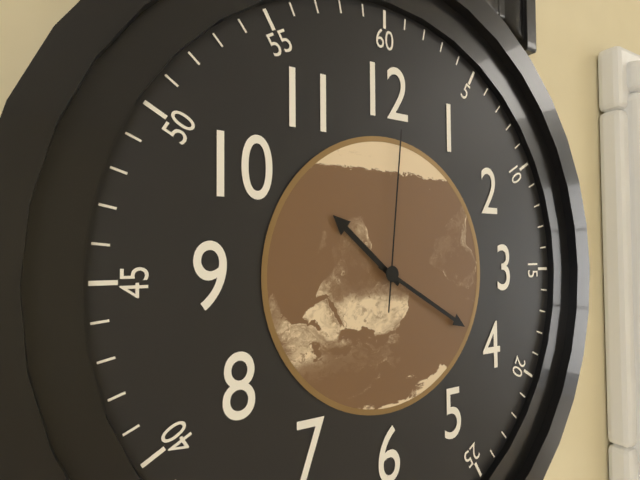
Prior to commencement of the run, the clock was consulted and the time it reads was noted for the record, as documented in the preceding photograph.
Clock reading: 10:20:01
